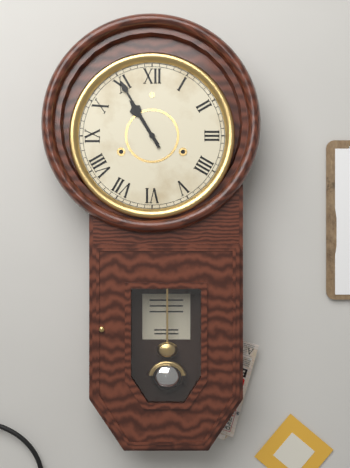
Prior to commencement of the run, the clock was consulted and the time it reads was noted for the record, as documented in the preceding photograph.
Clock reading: 10:55
